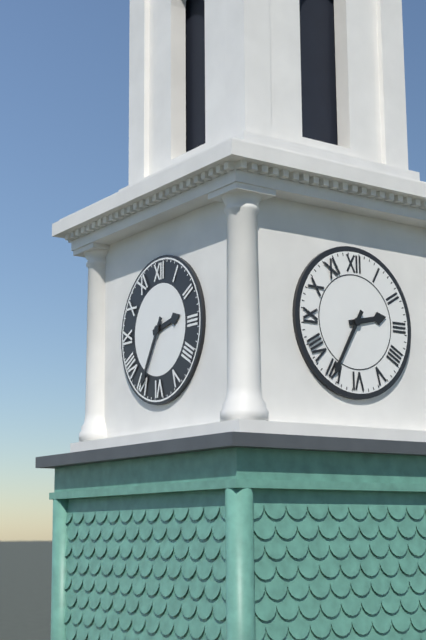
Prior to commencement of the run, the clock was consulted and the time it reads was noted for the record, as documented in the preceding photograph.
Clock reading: 2:35
